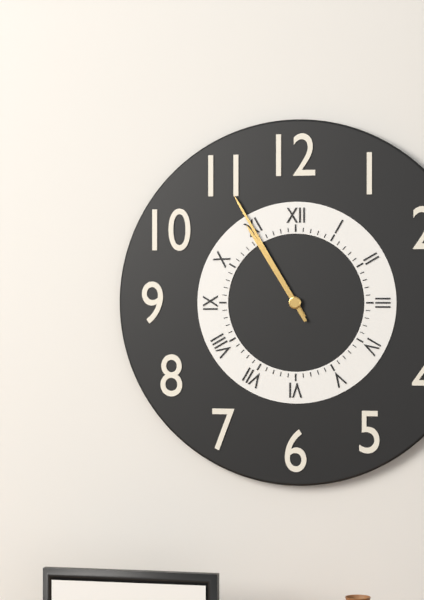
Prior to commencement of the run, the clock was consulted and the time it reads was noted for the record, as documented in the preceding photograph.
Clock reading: 10:55
